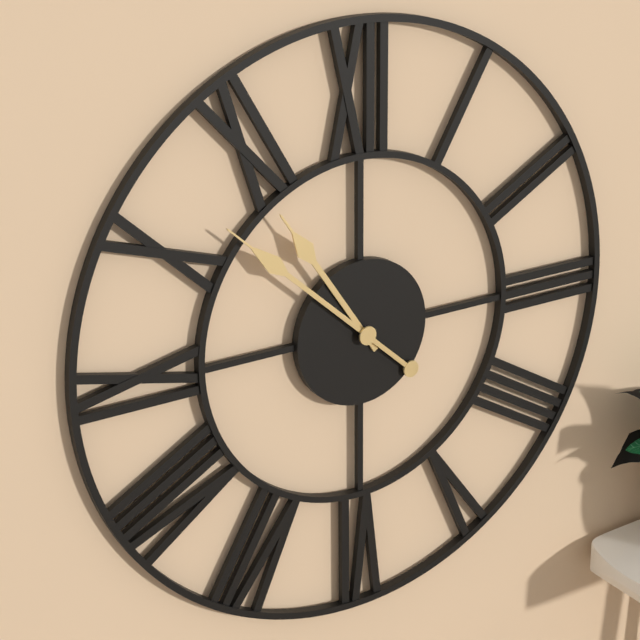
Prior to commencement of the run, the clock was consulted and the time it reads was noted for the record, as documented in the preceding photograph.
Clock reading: 10:52
